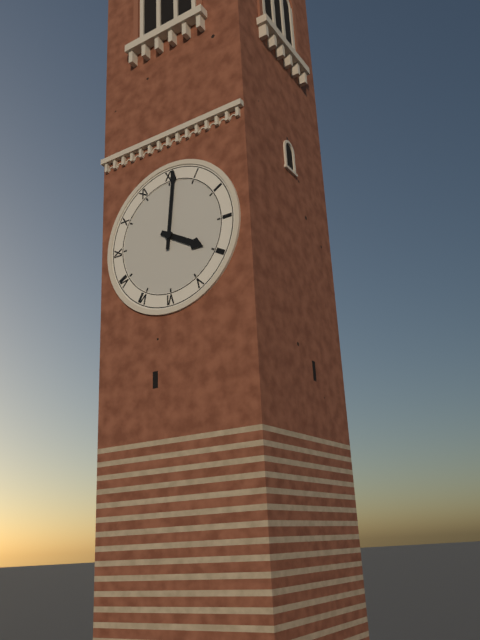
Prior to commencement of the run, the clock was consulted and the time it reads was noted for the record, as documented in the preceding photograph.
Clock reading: 4:01
